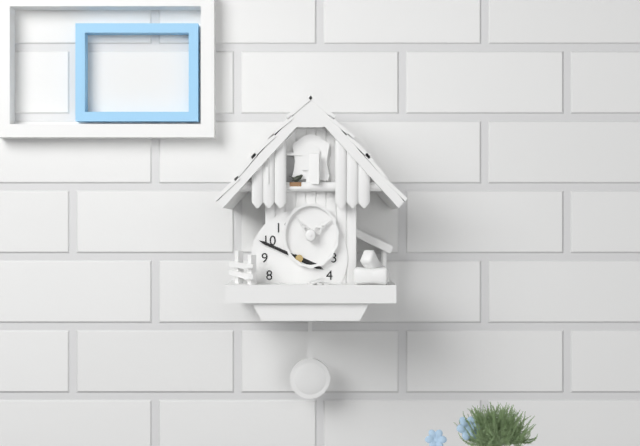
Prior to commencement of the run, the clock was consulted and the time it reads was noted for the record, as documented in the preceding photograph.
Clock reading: 3:49
